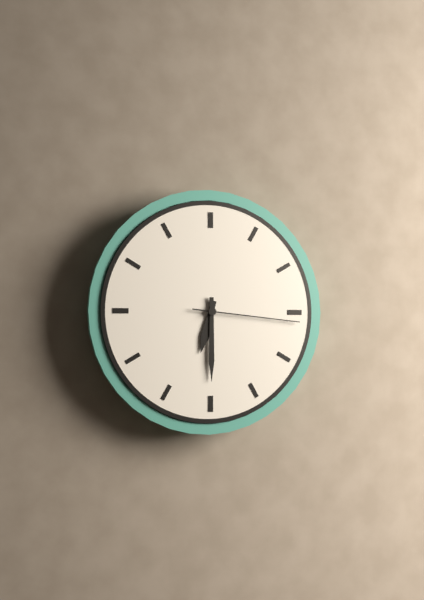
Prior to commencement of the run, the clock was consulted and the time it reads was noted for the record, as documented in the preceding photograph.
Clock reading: 6:30:16
